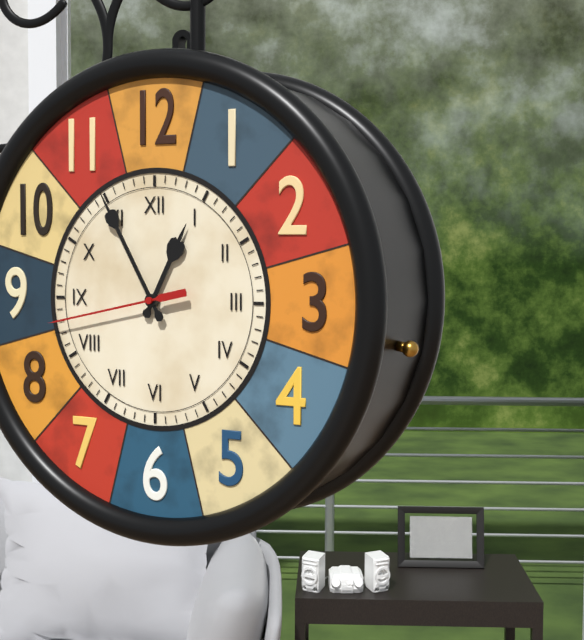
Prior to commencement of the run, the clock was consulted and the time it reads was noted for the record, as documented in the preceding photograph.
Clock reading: 12:55:43
